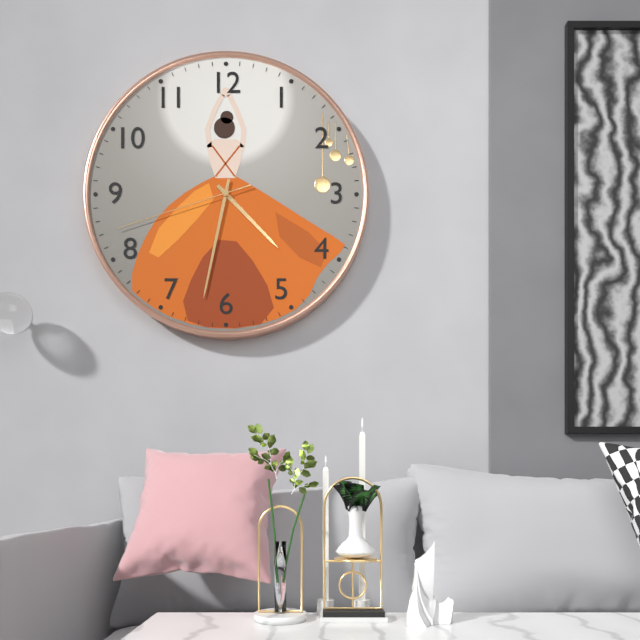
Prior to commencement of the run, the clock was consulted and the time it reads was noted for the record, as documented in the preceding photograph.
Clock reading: 4:32:42
